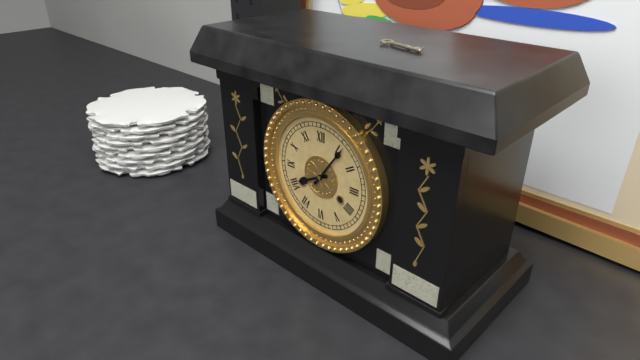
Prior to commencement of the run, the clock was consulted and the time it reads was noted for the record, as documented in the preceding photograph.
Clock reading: 8:06
